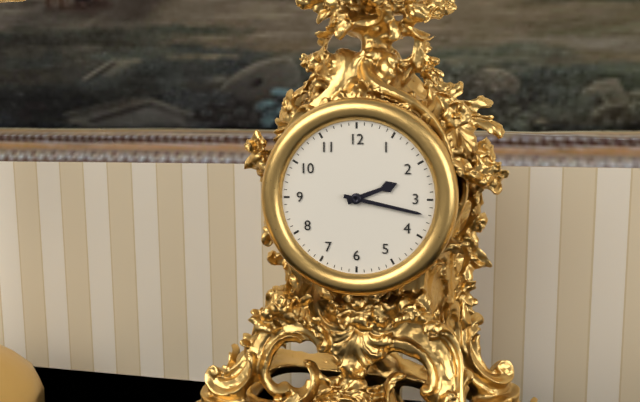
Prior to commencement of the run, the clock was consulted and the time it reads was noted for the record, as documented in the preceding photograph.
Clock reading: 2:17
